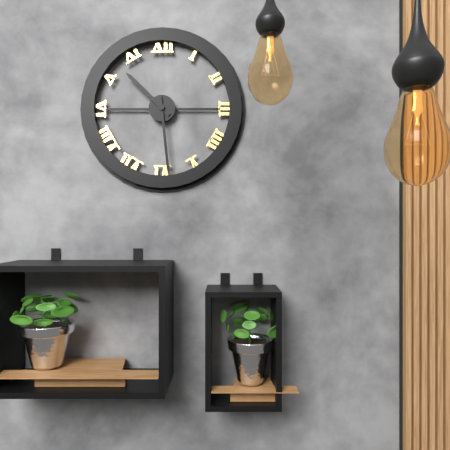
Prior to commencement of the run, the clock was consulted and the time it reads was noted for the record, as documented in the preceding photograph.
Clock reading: 10:29
